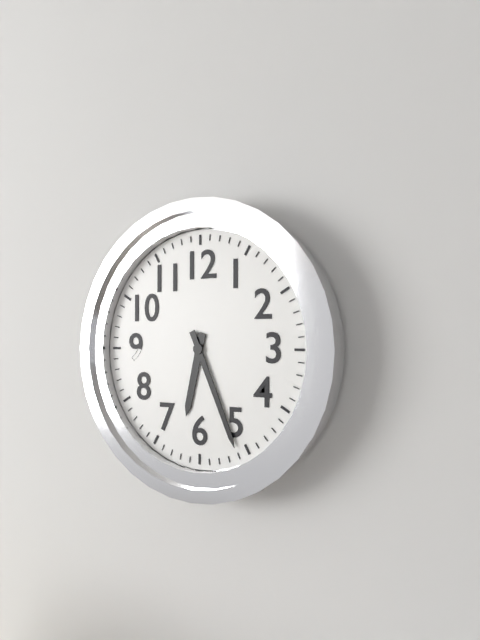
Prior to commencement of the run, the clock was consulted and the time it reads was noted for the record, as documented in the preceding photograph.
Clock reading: 6:26
